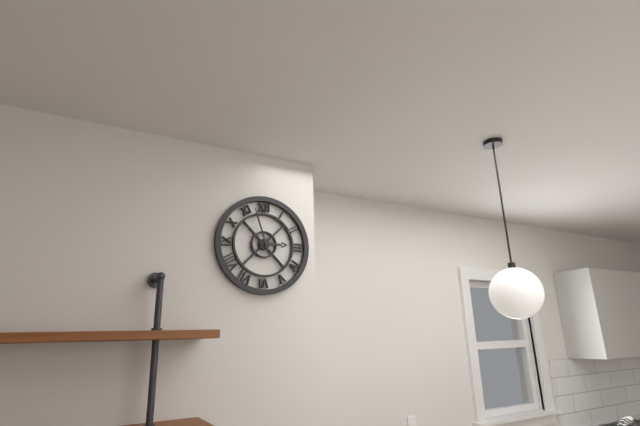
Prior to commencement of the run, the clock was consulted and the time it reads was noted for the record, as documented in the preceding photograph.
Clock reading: 2:57
